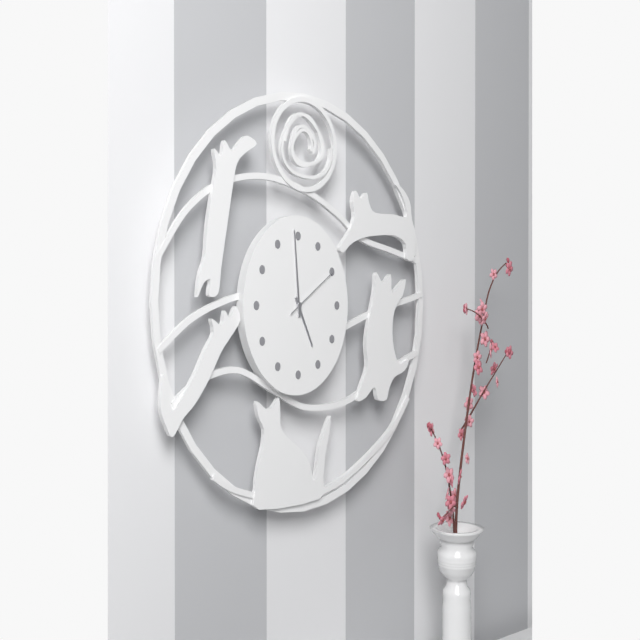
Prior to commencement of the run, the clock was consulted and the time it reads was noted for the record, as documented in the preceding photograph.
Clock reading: 4:59:10
